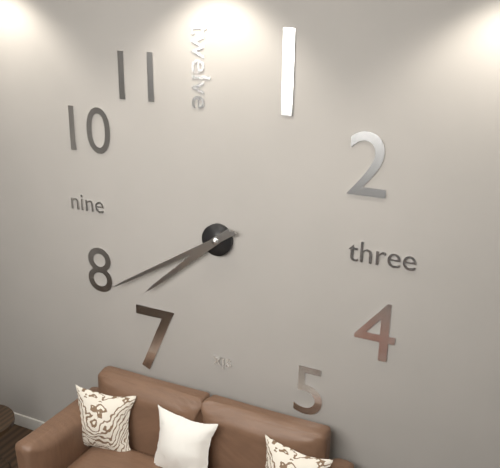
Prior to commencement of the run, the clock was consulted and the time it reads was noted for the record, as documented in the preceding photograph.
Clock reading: 7:40
